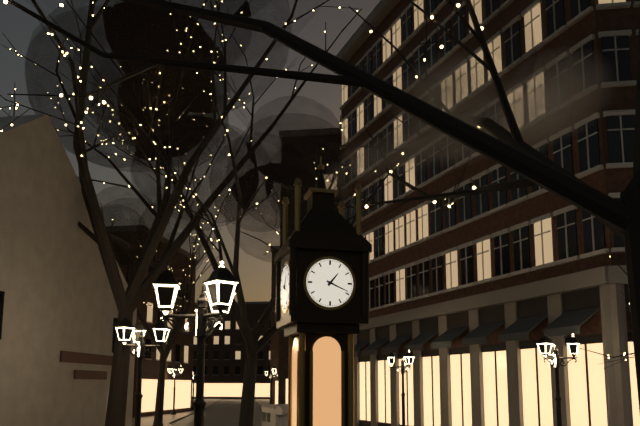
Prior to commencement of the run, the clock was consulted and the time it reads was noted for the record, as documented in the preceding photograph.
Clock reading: 1:19
